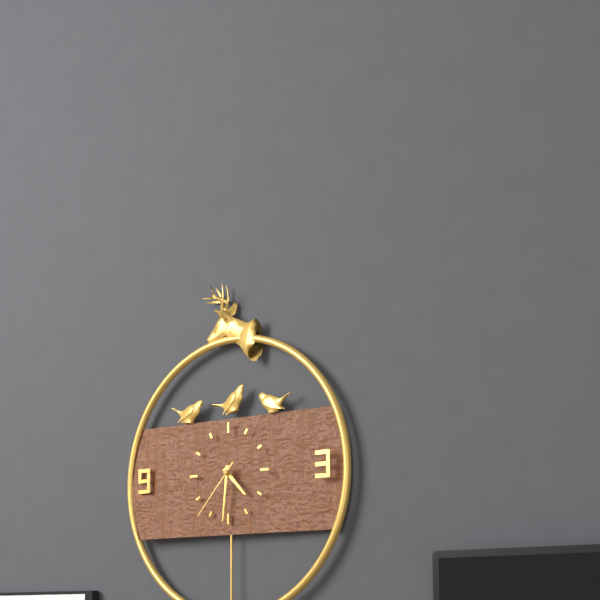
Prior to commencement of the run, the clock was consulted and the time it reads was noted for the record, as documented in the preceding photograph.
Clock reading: 4:31:37
